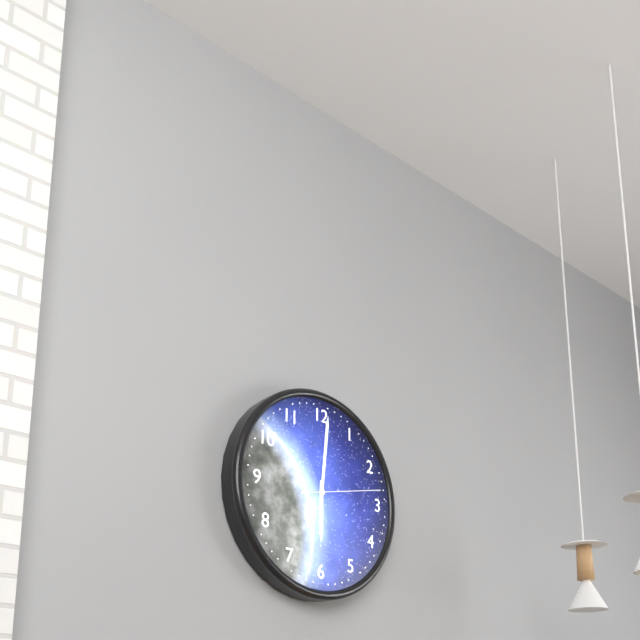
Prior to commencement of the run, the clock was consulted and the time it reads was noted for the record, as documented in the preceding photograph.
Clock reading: 6:01:13
